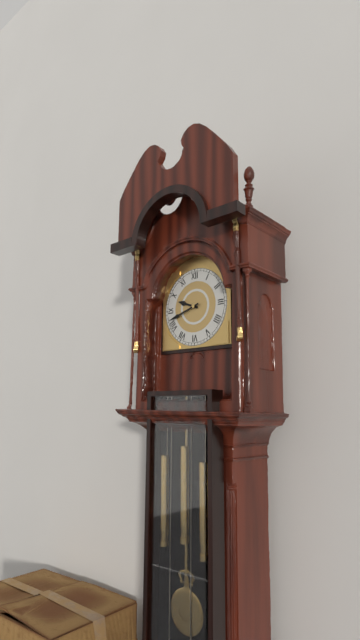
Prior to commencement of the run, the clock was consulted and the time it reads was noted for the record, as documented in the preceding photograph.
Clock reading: 9:42
